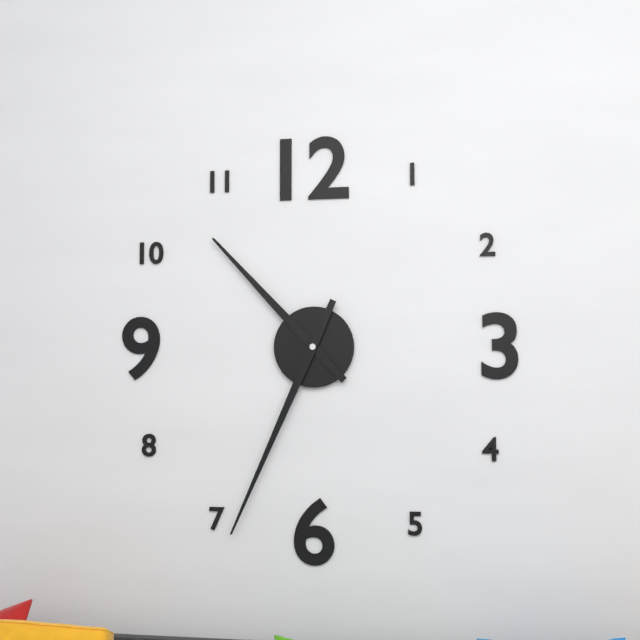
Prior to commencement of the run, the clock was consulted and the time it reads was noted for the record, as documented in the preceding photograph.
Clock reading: 10:34
